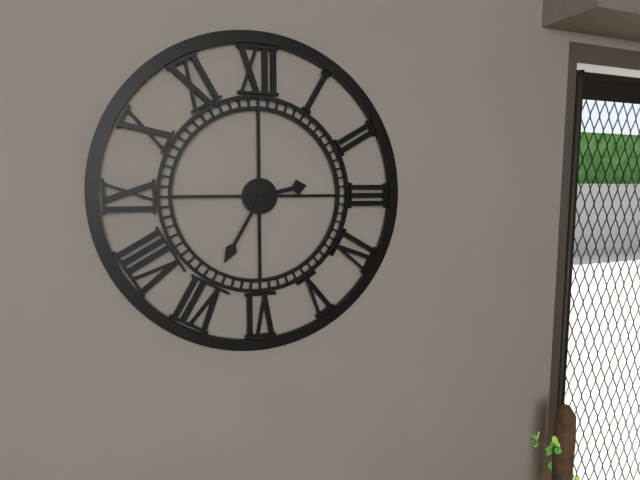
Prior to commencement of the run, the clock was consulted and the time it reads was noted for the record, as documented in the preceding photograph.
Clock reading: 2:35
